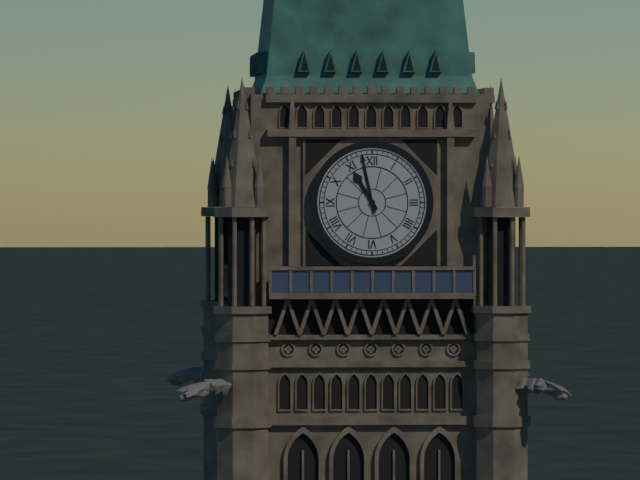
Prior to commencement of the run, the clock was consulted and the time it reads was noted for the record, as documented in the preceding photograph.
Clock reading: 10:58
